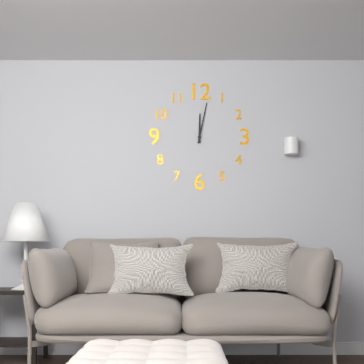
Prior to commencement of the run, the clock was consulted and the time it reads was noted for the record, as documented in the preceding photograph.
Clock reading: 12:02
